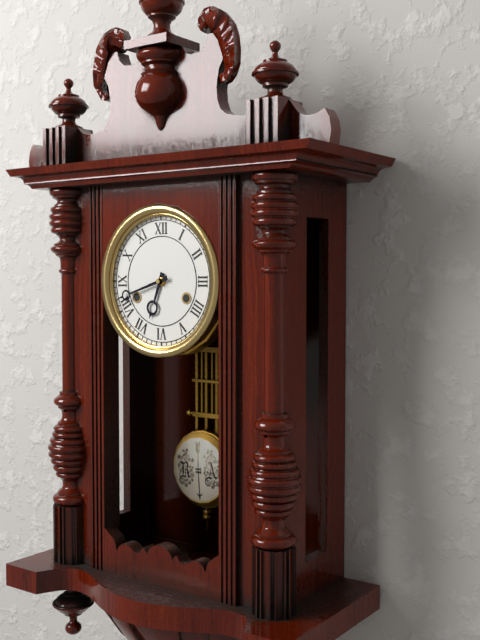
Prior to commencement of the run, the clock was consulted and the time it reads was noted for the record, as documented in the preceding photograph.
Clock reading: 6:42
